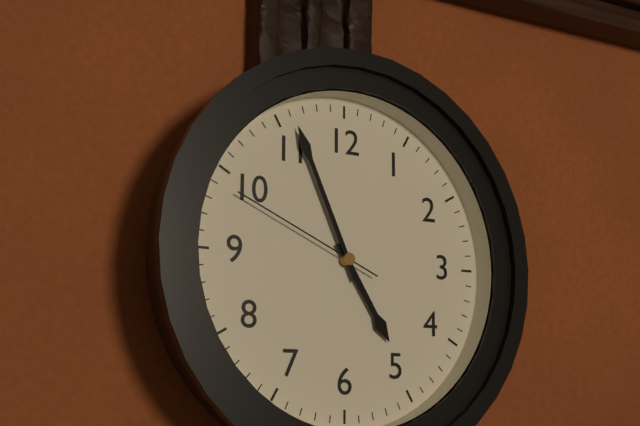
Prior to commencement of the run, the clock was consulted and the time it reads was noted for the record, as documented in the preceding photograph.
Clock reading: 4:56:49
